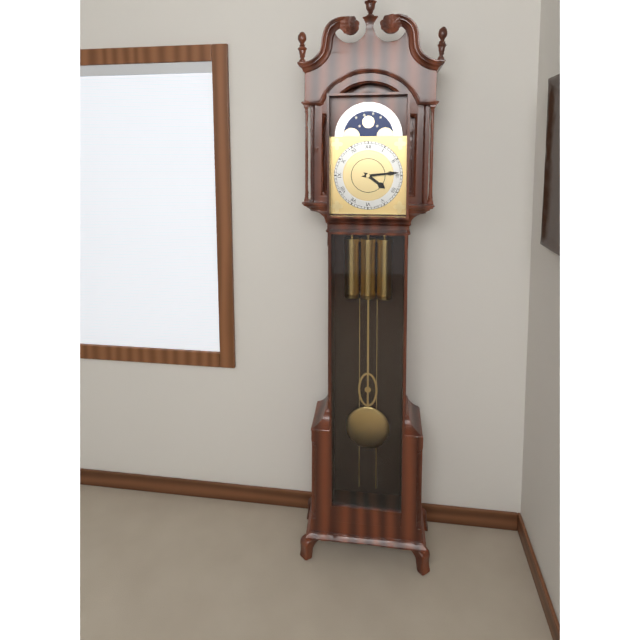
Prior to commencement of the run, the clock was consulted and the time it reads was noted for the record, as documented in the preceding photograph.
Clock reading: 4:14
